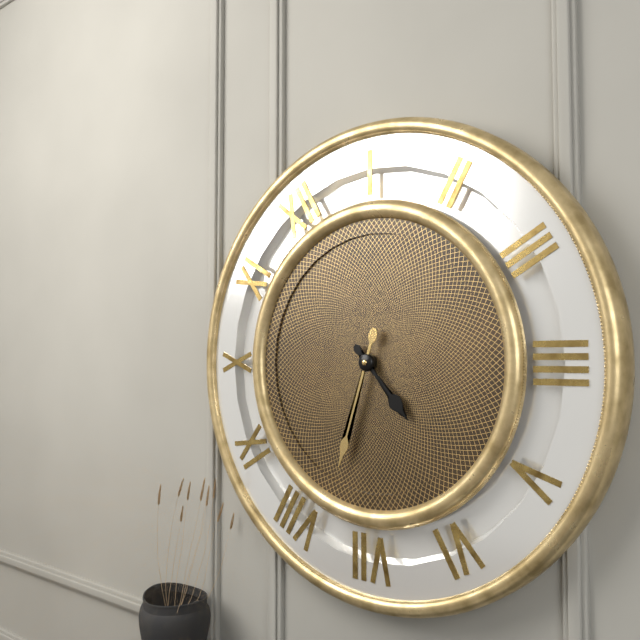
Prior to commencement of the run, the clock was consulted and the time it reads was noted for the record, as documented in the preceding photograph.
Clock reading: 5:38
